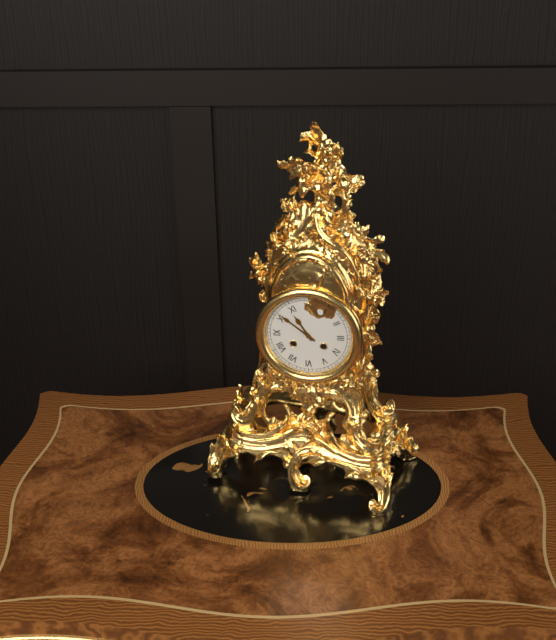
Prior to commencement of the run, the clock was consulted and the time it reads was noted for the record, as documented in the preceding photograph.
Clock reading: 10:51
